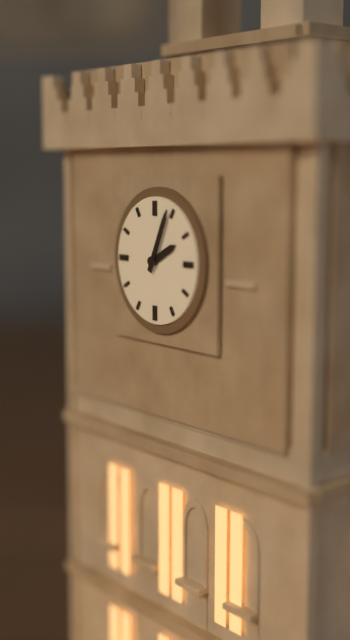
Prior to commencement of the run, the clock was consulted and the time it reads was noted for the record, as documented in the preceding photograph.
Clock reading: 2:04
